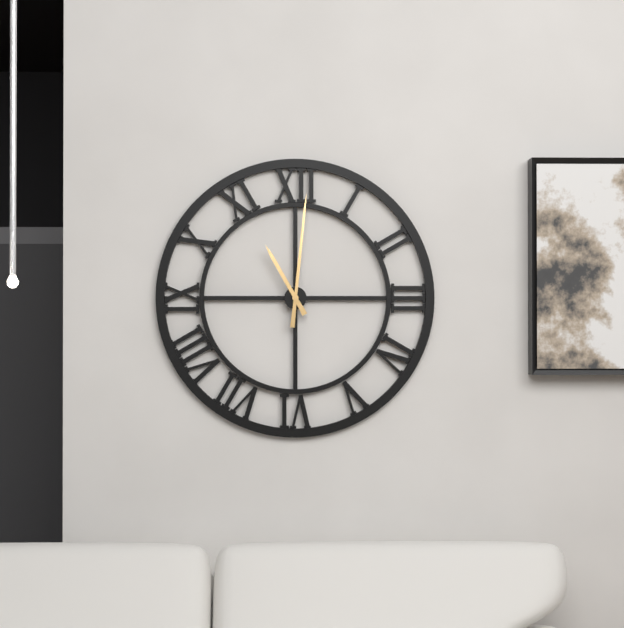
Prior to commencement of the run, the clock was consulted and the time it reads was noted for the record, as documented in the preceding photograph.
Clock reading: 11:01
